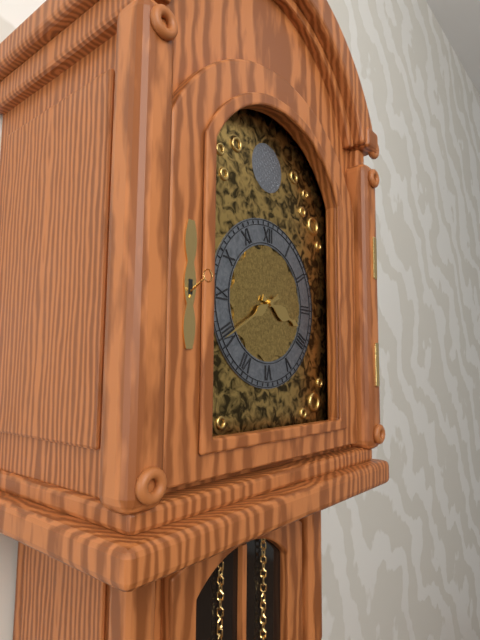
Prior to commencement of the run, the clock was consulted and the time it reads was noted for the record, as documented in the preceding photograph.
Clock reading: 3:40
